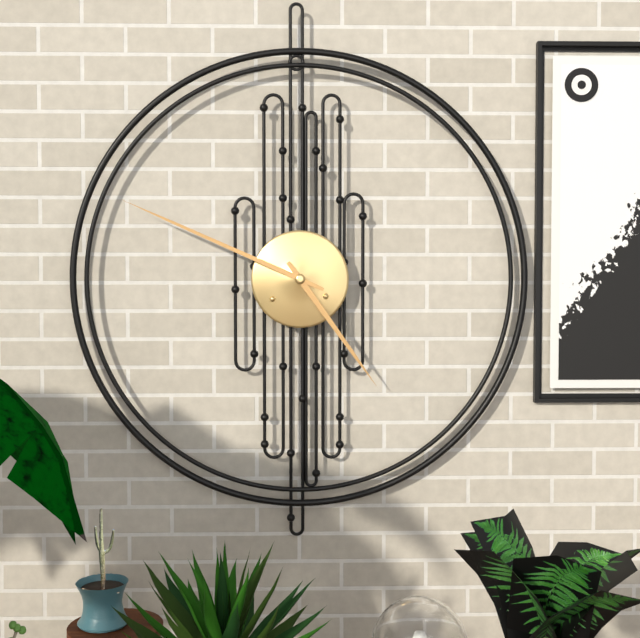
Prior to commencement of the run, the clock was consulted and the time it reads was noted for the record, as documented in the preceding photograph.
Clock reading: 4:49
